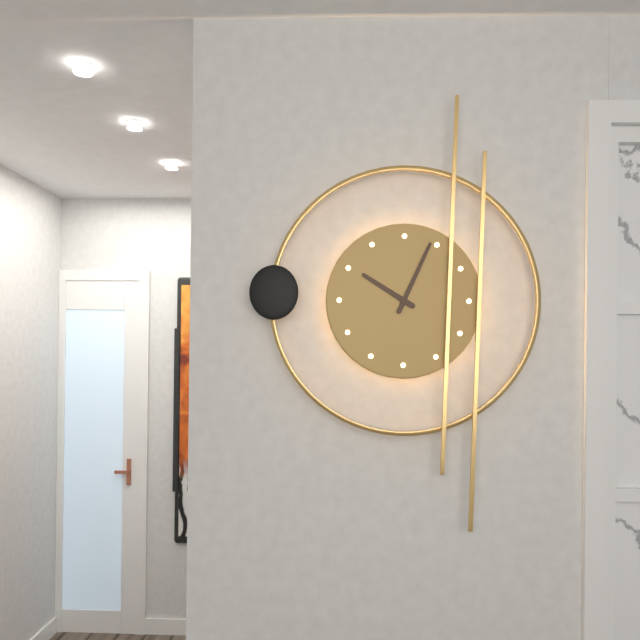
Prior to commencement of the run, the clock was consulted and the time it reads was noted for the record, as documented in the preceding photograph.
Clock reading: 10:04
